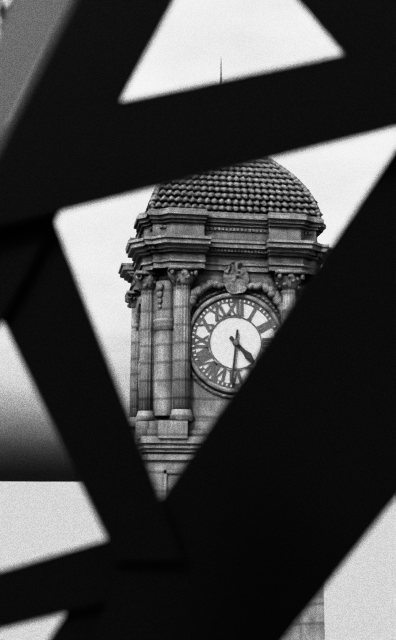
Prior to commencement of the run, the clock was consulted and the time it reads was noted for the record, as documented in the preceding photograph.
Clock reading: 4:31
